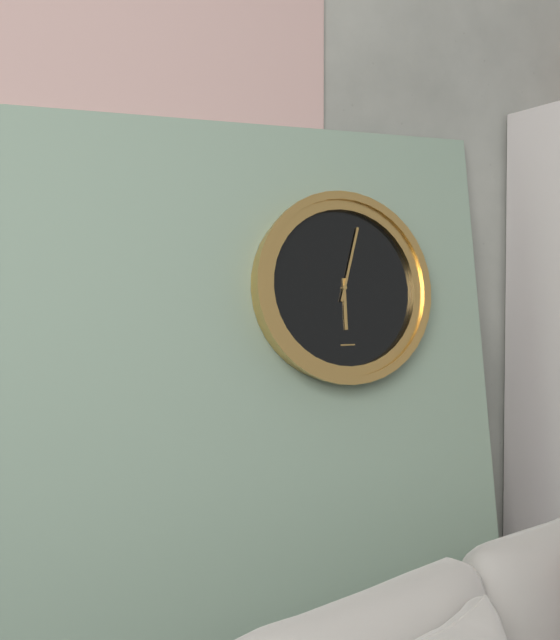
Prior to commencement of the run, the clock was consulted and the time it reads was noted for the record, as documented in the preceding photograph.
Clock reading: 6:03
